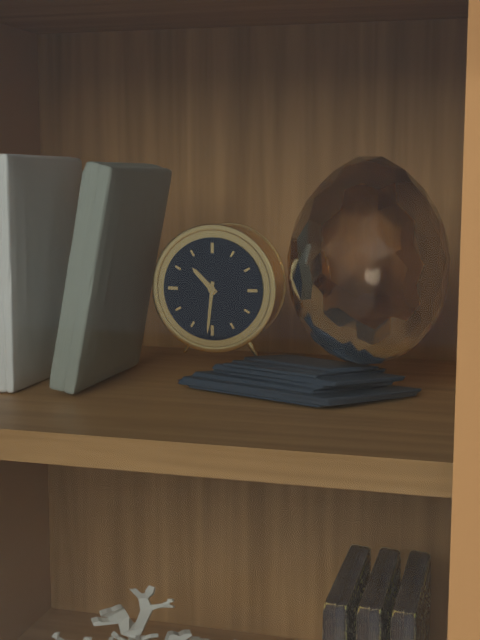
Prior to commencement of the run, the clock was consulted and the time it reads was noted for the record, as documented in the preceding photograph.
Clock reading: 10:31
